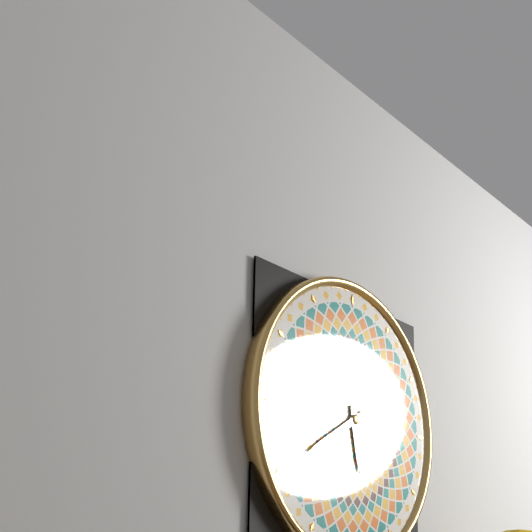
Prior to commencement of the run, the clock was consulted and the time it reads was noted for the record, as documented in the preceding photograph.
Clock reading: 5:40
